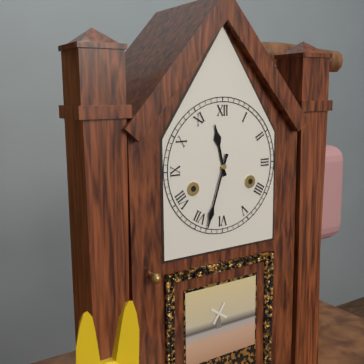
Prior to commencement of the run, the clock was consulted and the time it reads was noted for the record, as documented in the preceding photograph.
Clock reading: 11:33
